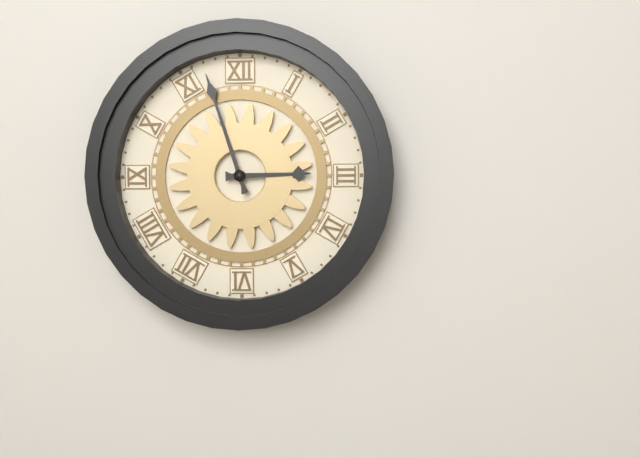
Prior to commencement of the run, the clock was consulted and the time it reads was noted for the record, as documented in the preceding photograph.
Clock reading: 2:57
